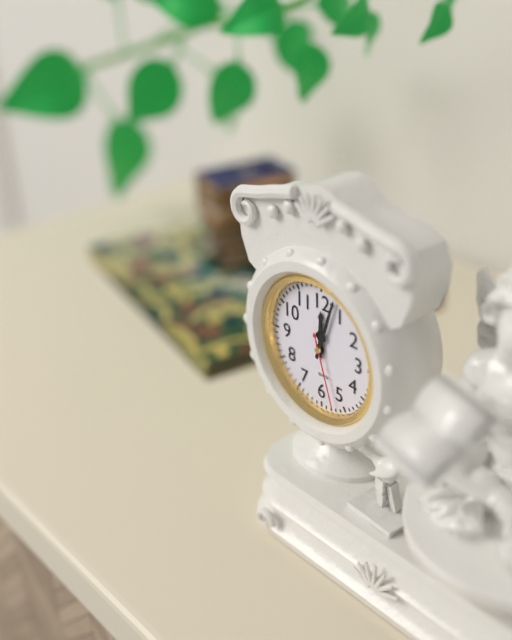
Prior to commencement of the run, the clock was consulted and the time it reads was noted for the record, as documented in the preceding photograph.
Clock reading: 12:03:27
